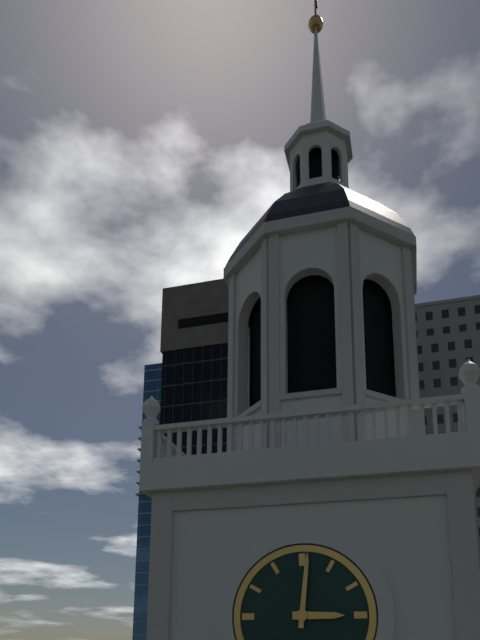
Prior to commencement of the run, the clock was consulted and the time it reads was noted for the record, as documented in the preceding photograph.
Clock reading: 3:01
